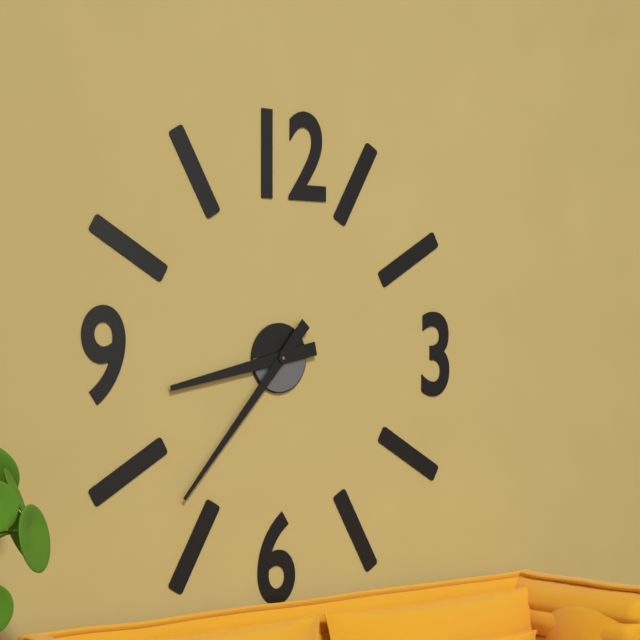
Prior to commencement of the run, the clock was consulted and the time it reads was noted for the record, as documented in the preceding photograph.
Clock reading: 8:37
